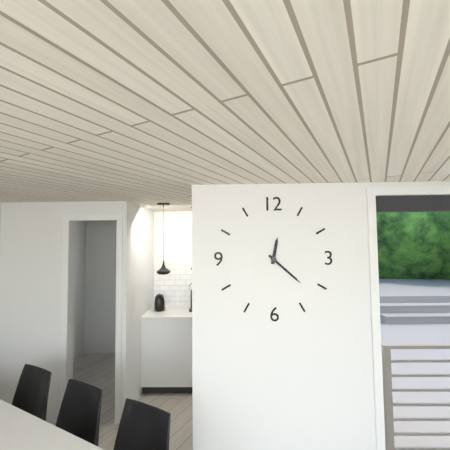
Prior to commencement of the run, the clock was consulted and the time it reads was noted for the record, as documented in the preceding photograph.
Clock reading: 12:22
